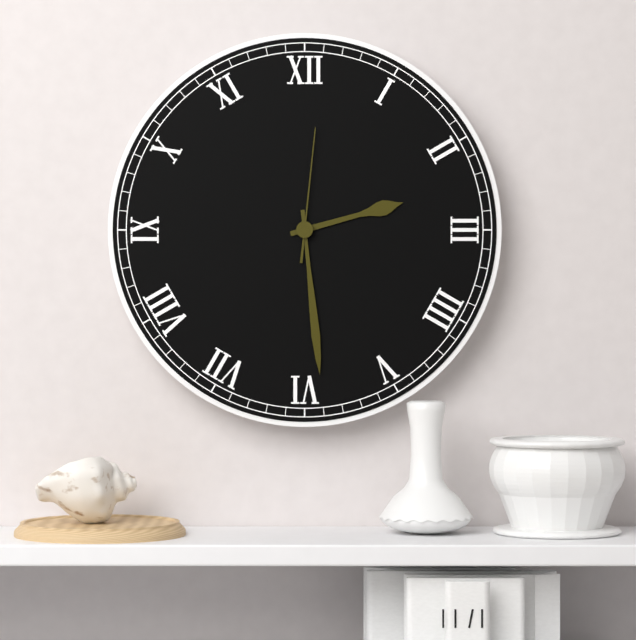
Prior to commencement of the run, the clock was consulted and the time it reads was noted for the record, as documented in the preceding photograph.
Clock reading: 2:29:01
